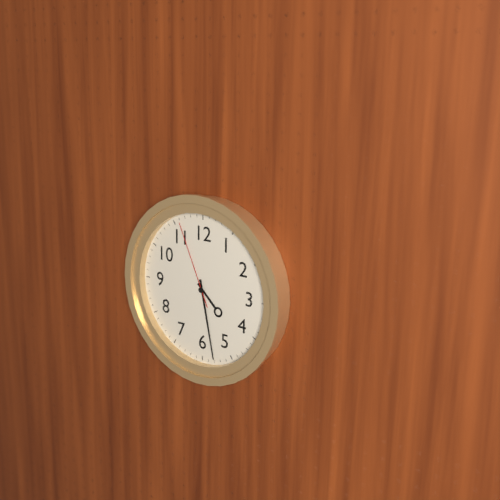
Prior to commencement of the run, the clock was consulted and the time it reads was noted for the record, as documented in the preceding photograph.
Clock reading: 4:28:56
